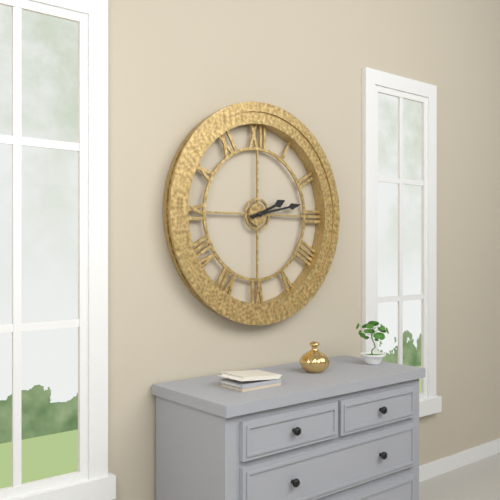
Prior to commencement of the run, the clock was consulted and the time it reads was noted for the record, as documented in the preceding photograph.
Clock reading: 2:13
